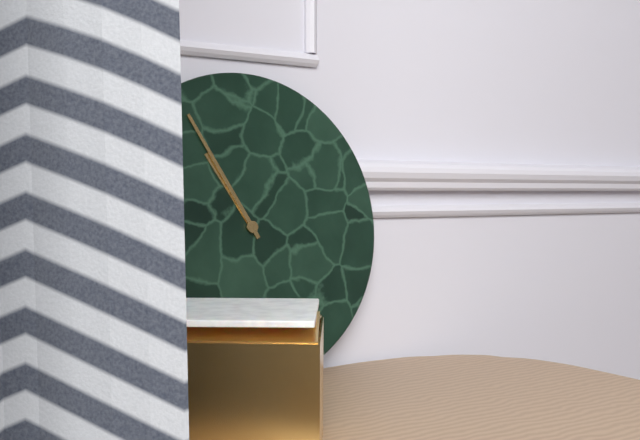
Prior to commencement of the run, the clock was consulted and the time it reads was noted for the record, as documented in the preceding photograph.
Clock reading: 10:55
